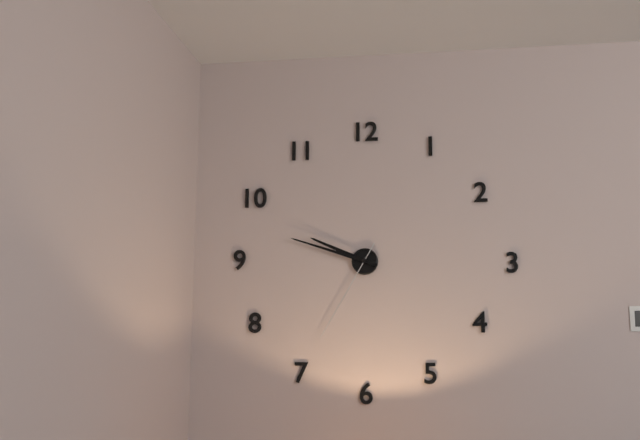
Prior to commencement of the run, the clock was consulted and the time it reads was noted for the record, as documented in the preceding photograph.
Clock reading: 9:48:35
